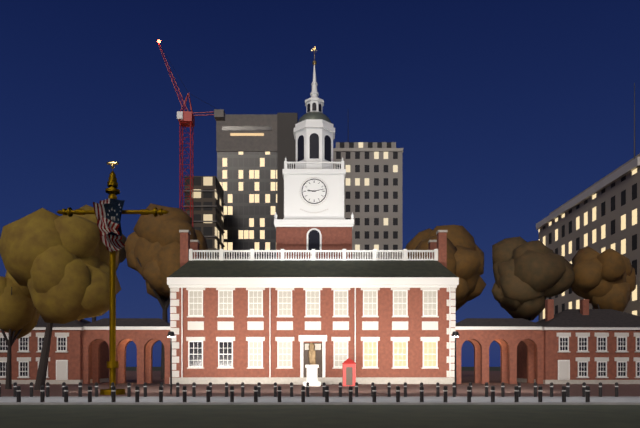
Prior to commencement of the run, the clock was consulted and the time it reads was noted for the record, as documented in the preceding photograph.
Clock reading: 9:13
